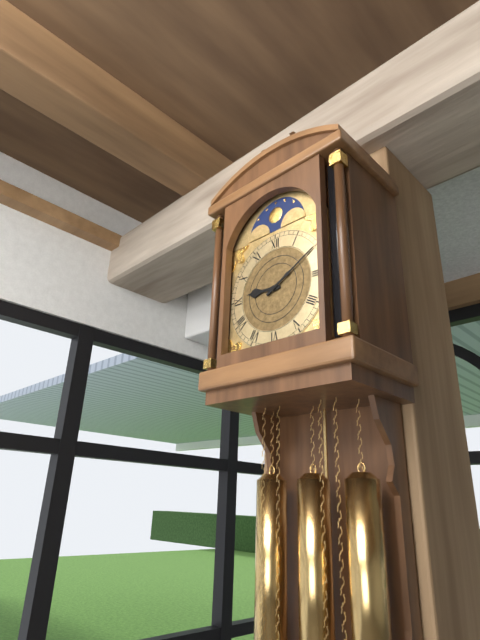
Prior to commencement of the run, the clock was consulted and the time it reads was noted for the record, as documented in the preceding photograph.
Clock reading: 9:10
